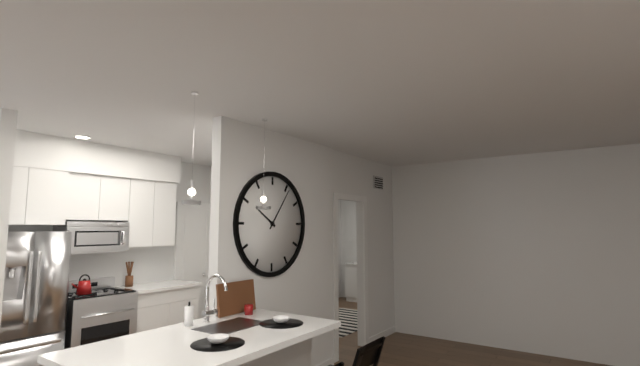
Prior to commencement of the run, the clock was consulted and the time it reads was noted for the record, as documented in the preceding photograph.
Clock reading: 10:06
